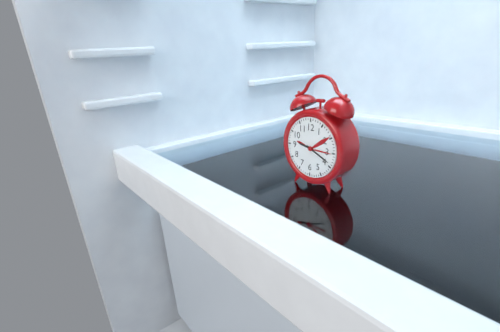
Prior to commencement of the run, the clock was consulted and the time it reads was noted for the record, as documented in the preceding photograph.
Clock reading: 9:19
